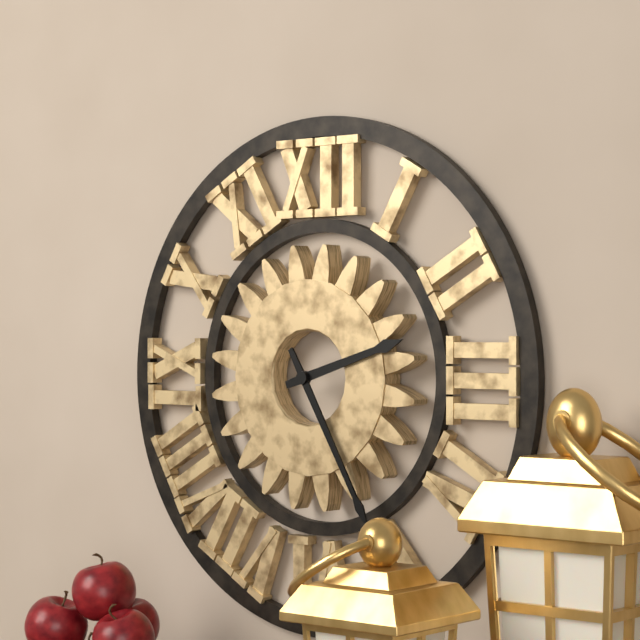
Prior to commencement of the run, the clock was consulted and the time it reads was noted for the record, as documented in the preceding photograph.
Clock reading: 2:25
